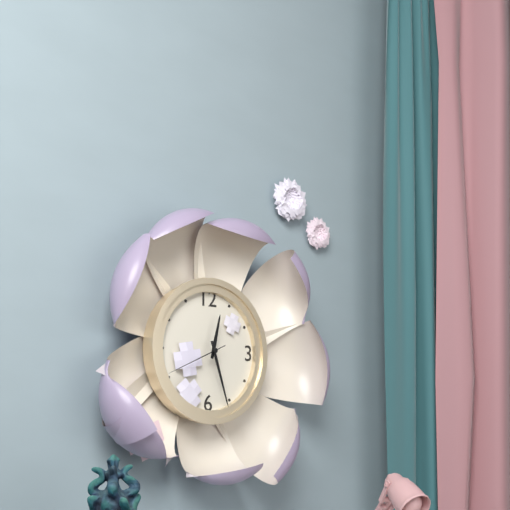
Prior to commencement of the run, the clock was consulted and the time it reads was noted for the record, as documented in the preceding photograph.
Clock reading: 12:27:41
